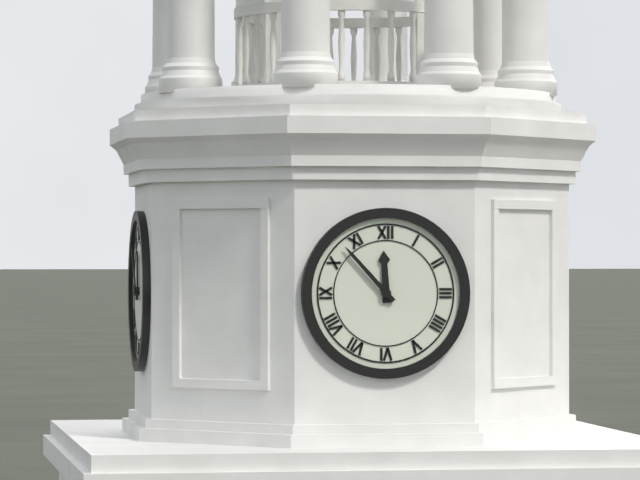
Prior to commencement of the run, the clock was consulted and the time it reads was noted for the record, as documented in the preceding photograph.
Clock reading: 11:53
